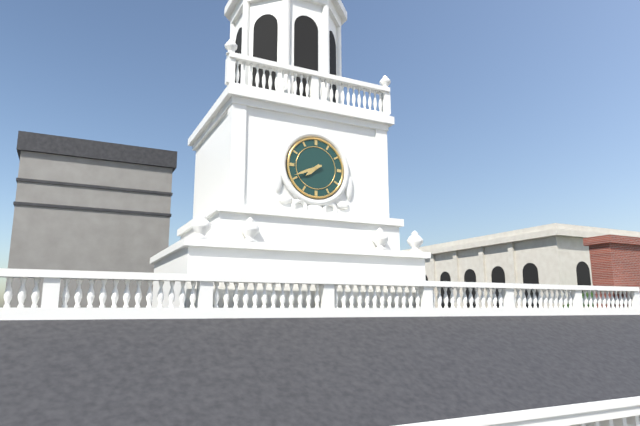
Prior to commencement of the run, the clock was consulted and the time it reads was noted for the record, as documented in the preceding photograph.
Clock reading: 7:41
